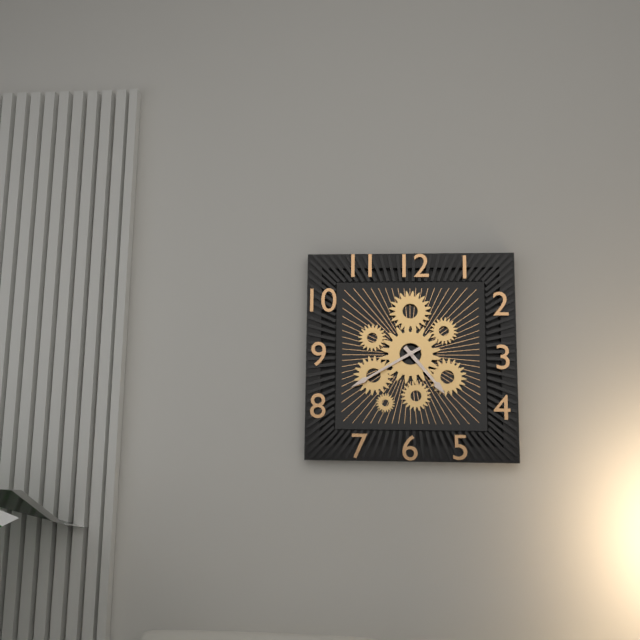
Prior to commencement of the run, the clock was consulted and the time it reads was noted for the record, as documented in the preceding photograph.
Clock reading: 4:40
